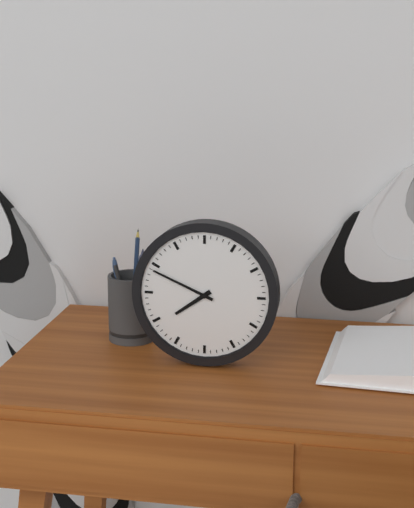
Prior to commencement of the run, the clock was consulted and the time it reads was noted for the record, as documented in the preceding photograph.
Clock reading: 7:49
